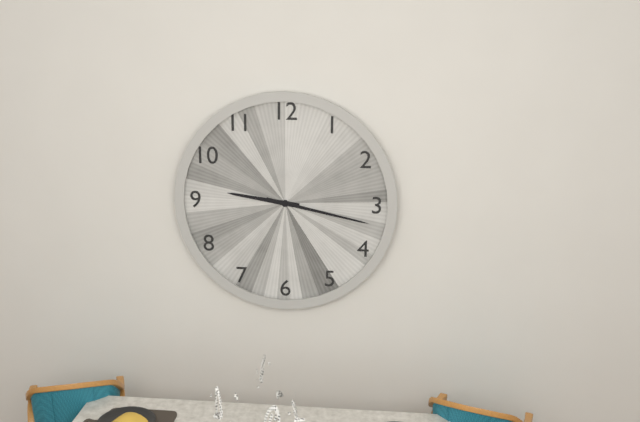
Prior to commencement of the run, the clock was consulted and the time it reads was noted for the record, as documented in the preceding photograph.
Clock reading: 9:17
